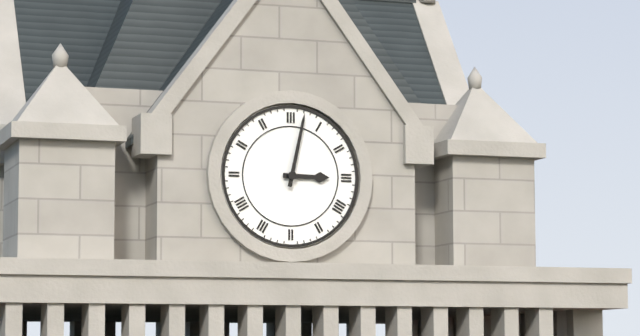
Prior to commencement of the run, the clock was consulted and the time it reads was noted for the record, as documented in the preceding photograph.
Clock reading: 3:02
